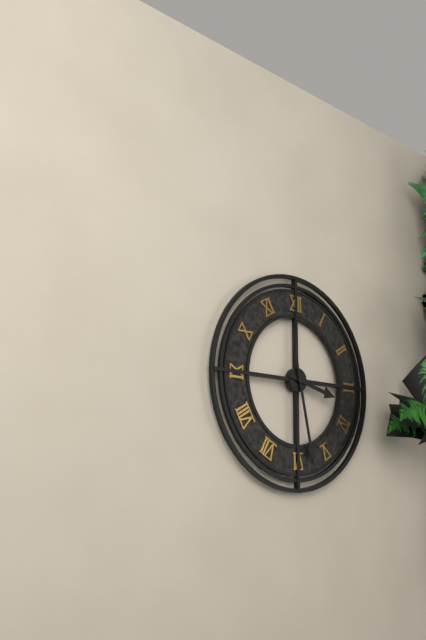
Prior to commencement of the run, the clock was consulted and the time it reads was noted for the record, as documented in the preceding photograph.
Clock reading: 3:28
